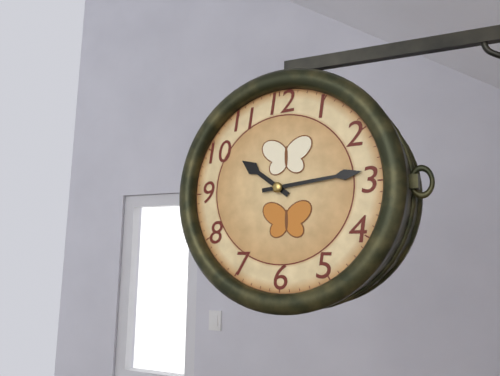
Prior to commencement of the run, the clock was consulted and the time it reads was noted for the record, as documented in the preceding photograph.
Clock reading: 10:14
